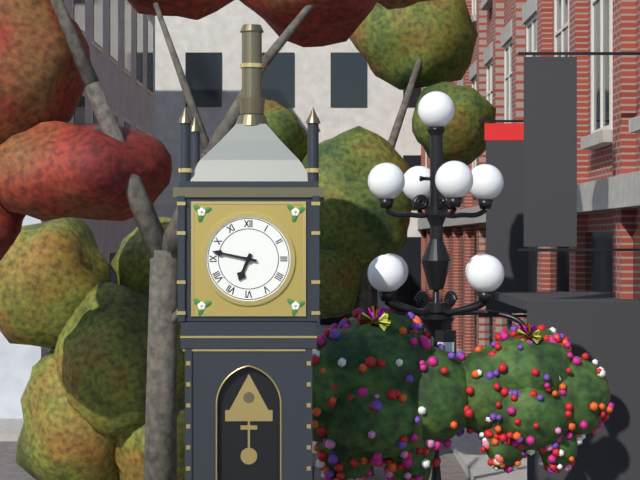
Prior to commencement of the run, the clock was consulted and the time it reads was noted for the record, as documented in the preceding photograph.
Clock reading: 6:47
